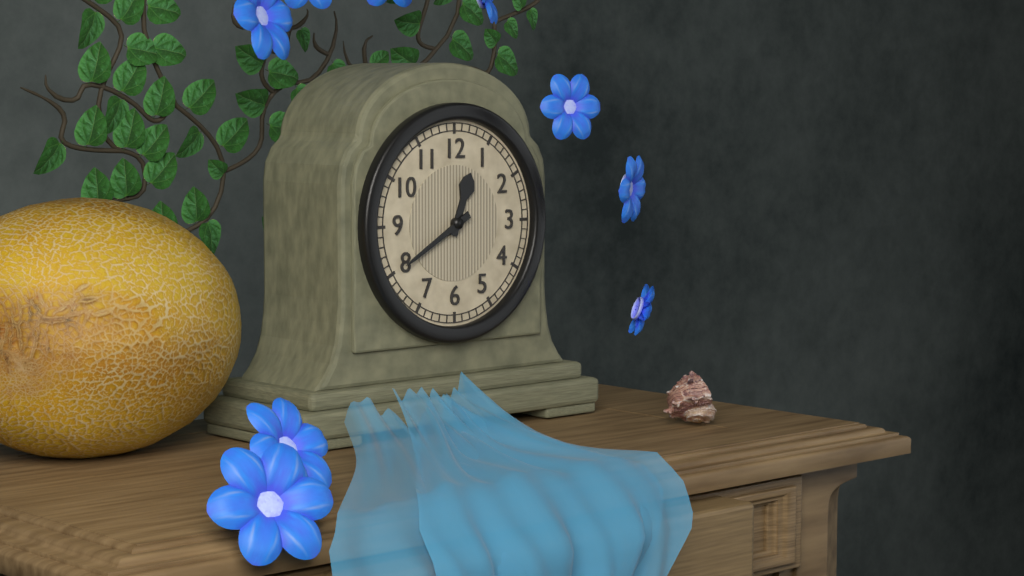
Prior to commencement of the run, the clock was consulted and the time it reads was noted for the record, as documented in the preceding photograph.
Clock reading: 12:40
